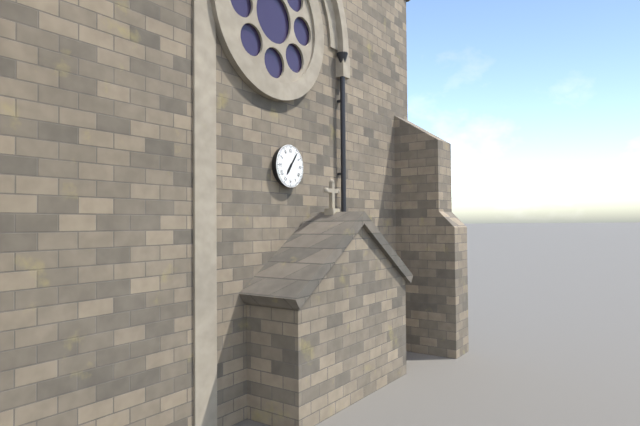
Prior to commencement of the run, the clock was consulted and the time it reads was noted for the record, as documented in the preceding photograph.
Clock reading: 7:06
